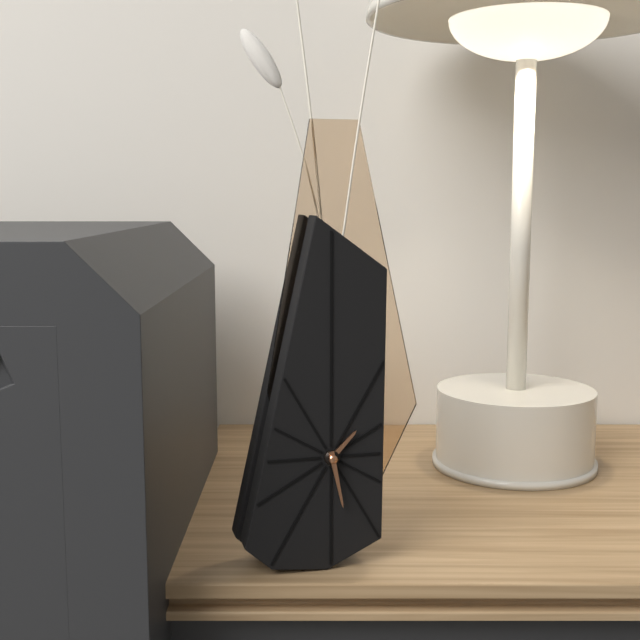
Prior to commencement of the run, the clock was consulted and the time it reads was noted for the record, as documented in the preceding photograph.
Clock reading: 1:28
